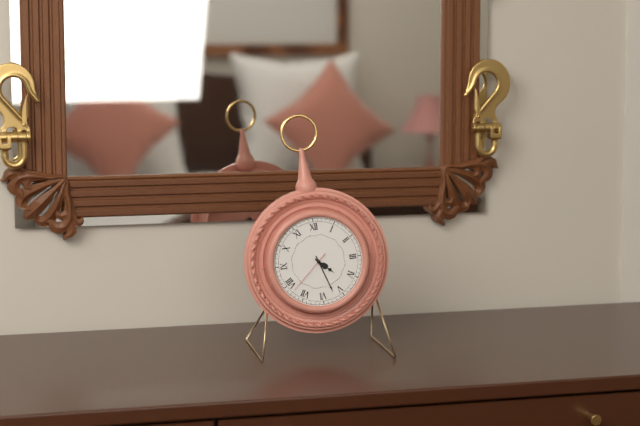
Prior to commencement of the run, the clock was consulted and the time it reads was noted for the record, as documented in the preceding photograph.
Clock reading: 4:27
